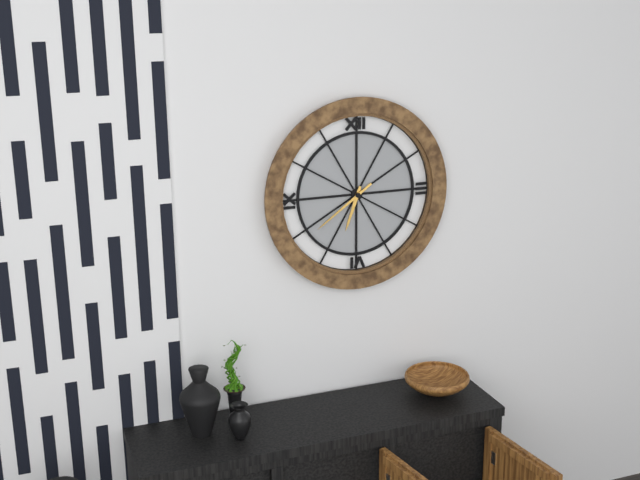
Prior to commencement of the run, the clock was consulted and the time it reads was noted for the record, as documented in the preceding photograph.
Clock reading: 6:39
